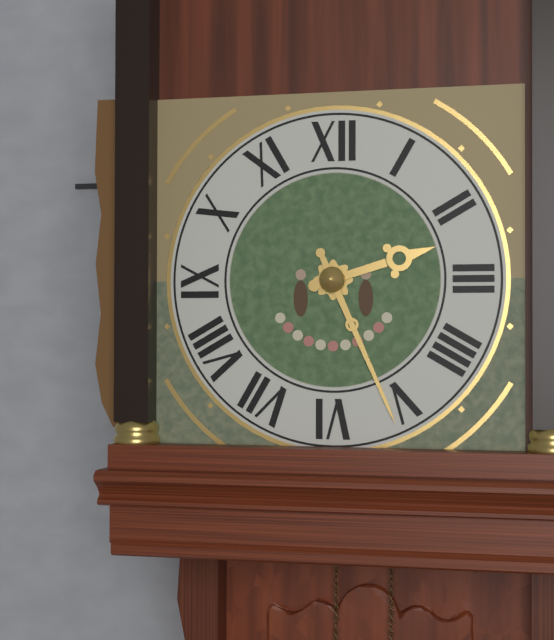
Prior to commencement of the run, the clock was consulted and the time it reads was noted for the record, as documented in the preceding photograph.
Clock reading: 2:26
